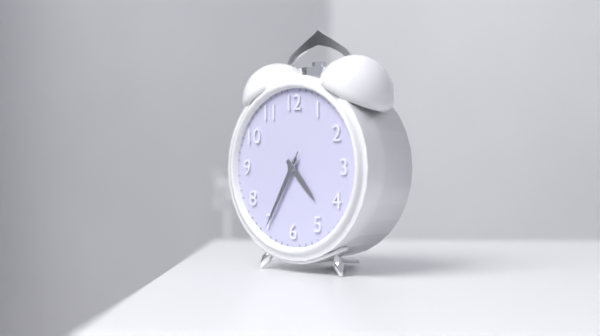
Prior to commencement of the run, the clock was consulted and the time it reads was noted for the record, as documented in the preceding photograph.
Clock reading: 4:35:35
